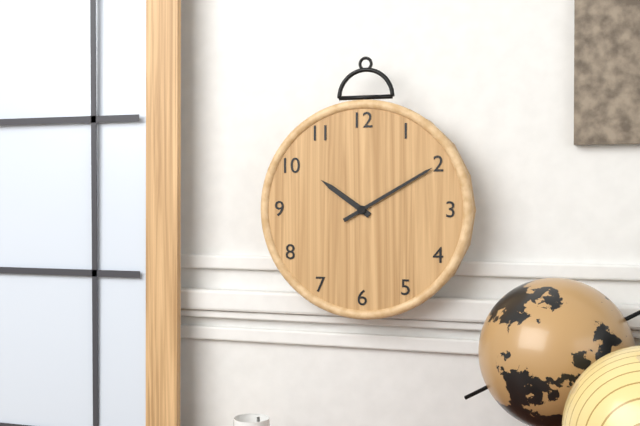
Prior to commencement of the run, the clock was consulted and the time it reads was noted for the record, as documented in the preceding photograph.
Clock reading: 10:10
